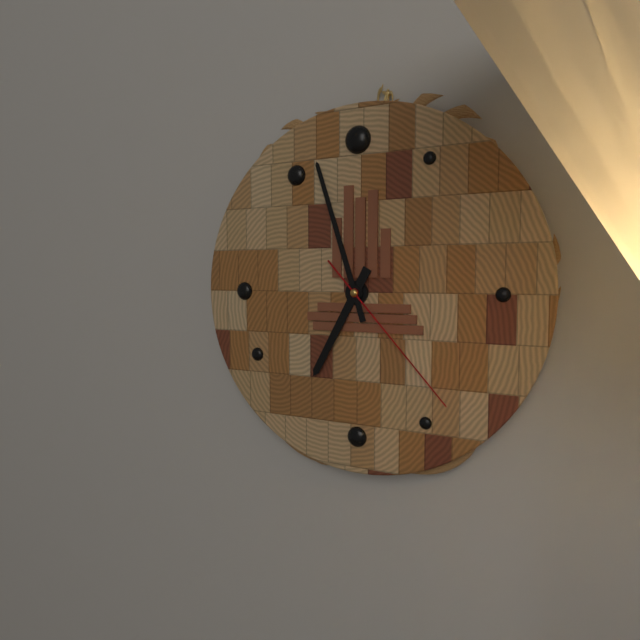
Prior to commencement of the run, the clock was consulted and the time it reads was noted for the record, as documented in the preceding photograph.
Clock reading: 6:57:23
